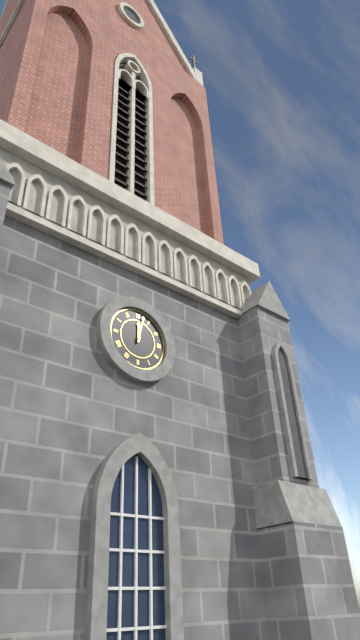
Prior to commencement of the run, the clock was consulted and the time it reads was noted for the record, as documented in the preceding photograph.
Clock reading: 12:02
